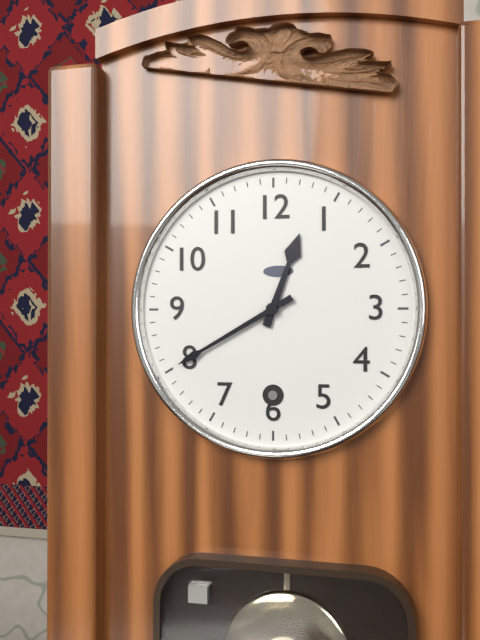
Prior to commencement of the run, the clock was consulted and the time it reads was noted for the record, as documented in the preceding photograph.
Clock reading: 12:40
